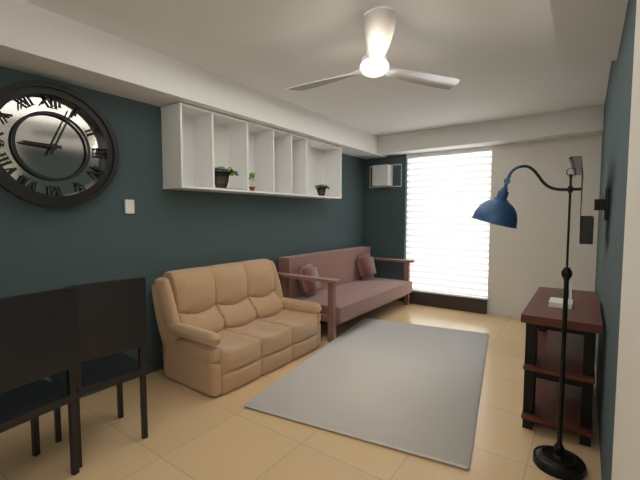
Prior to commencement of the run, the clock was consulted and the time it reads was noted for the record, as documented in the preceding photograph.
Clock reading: 9:04
